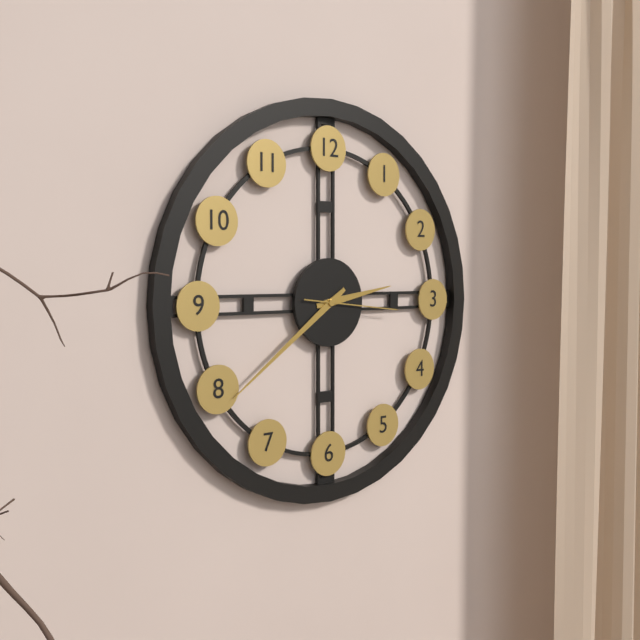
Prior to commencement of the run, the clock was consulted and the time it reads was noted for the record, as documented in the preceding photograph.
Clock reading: 2:39:16
